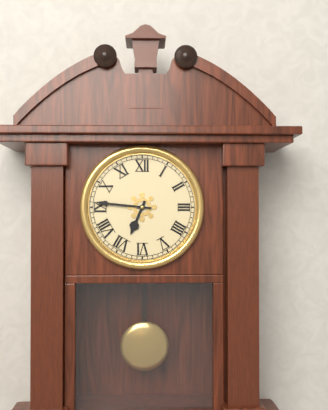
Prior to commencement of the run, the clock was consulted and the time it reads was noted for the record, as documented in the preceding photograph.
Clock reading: 6:46
